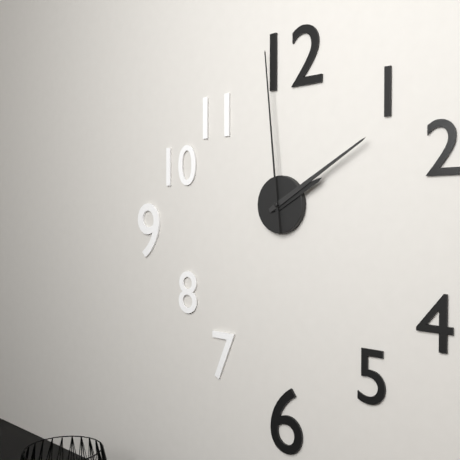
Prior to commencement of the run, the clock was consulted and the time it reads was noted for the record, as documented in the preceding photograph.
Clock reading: 2:10:59
